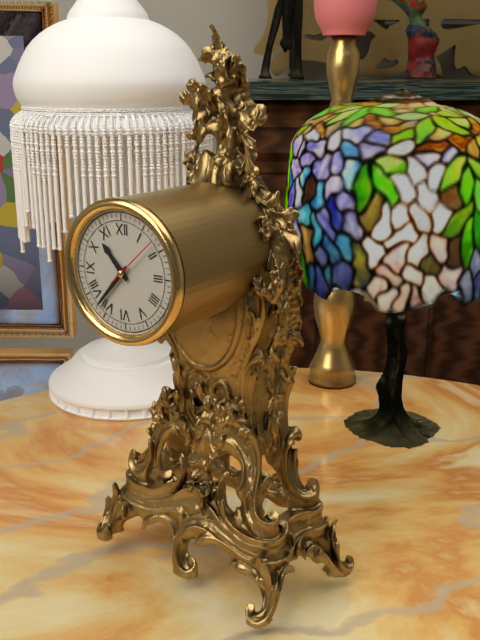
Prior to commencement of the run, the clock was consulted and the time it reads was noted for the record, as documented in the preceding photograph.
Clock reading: 10:37:08
